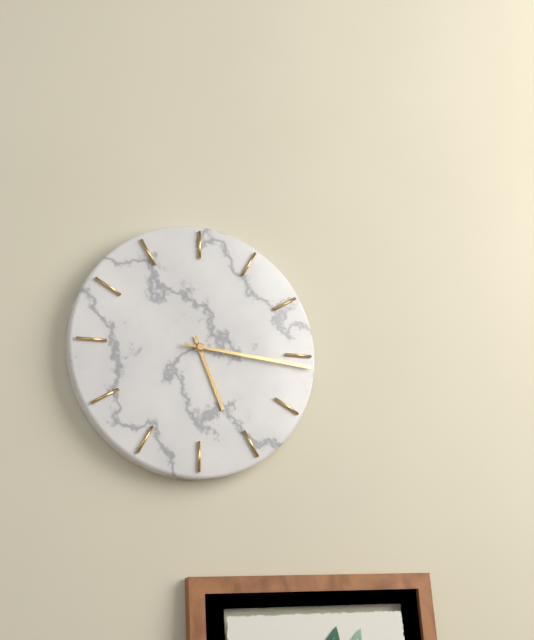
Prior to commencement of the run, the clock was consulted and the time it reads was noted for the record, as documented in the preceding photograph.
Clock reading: 5:16
